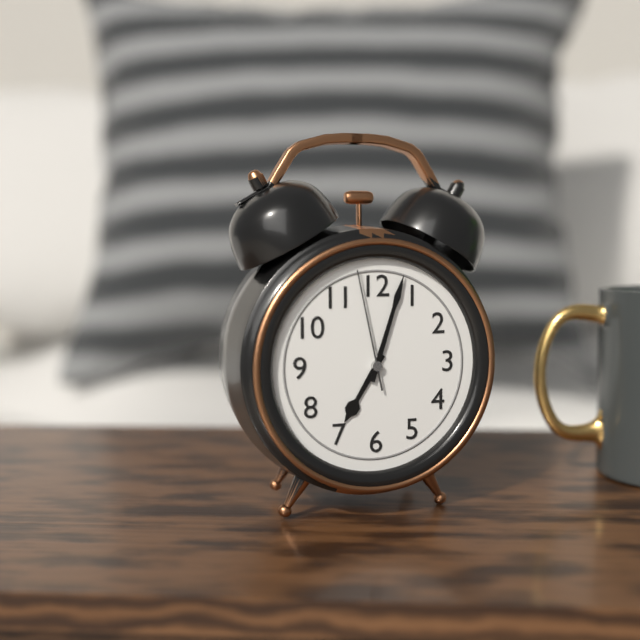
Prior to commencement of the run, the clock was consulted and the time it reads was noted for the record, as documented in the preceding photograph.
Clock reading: 7:03:58
